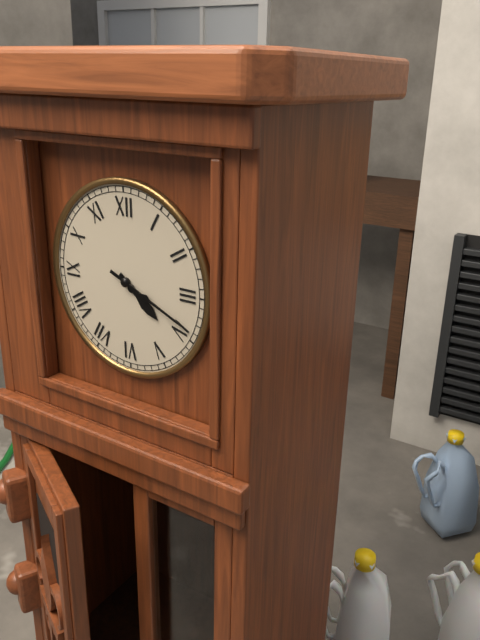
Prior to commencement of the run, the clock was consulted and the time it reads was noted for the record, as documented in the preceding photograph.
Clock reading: 4:19
